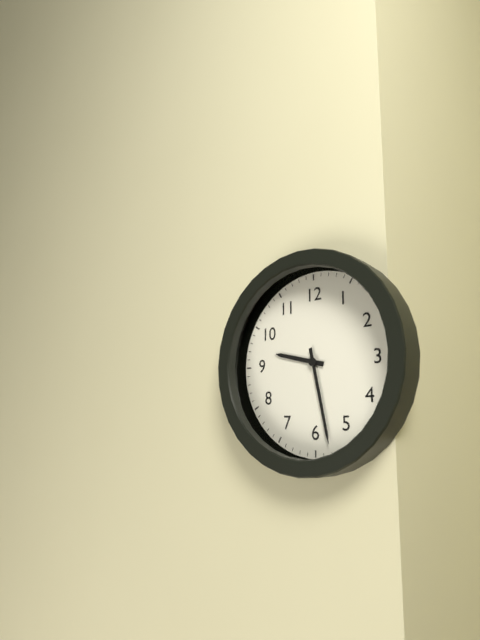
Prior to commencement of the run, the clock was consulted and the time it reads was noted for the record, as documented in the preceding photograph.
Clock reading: 9:28
